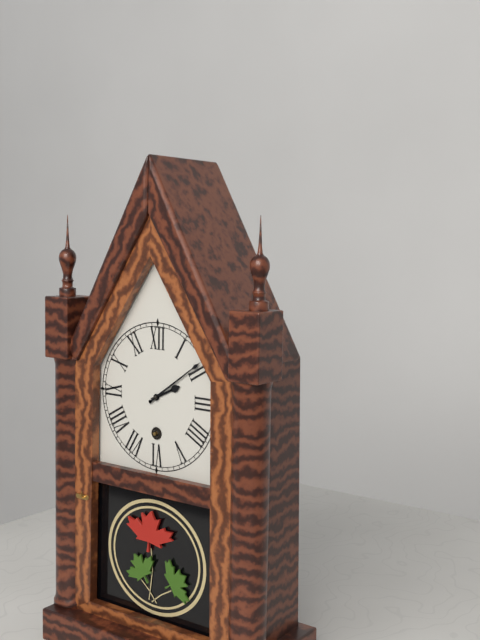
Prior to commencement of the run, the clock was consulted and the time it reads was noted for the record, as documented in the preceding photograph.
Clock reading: 2:09
